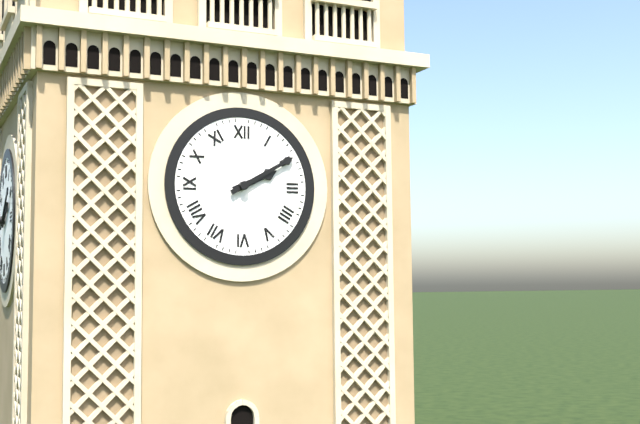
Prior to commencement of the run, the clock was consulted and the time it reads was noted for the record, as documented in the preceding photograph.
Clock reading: 2:10
